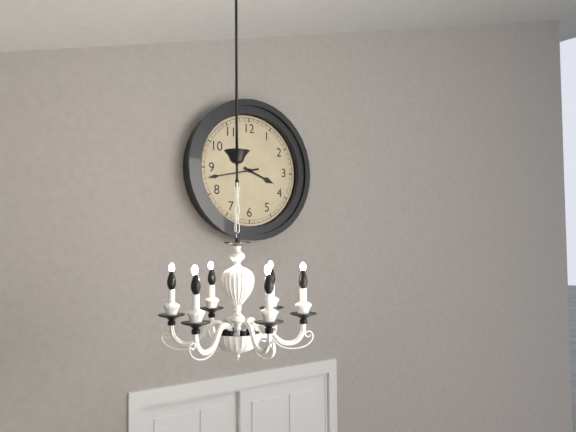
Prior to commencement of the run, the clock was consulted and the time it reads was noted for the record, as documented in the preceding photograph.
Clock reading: 3:43
